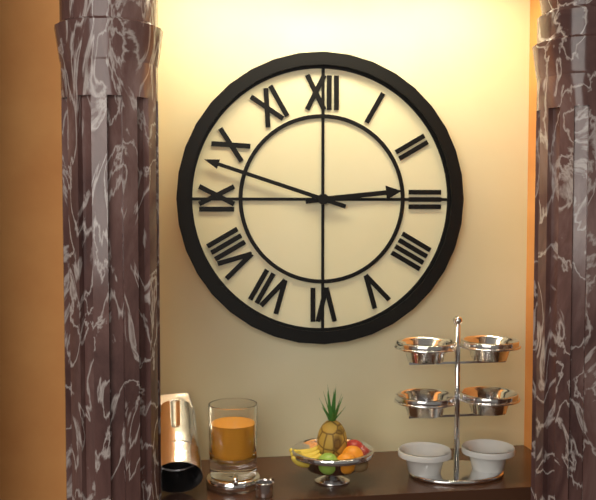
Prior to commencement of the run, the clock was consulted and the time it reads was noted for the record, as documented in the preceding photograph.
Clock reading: 2:48
